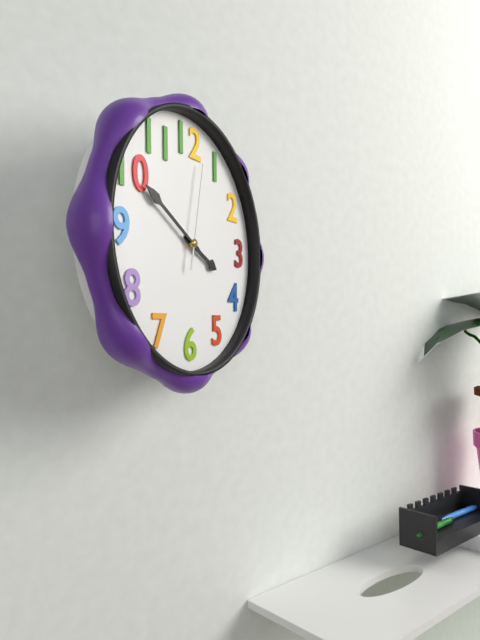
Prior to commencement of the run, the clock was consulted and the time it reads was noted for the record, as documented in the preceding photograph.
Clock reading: 3:50:02
